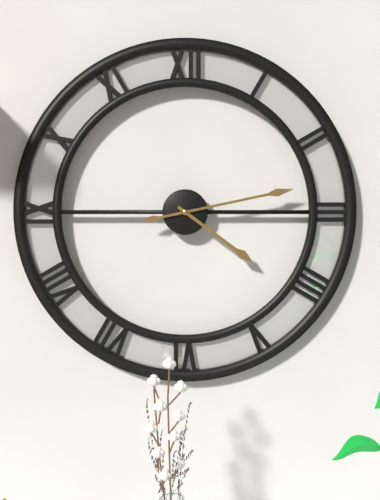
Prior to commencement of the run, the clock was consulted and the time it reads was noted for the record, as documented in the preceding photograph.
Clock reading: 4:13
